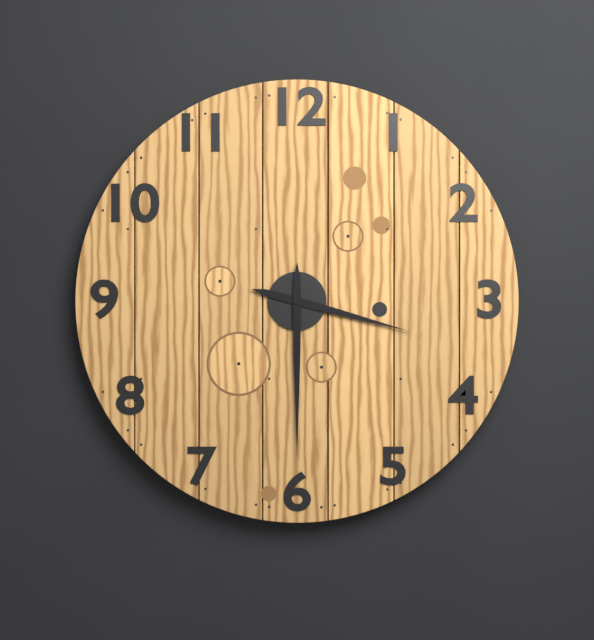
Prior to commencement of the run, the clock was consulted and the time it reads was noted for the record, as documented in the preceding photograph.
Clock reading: 3:30
